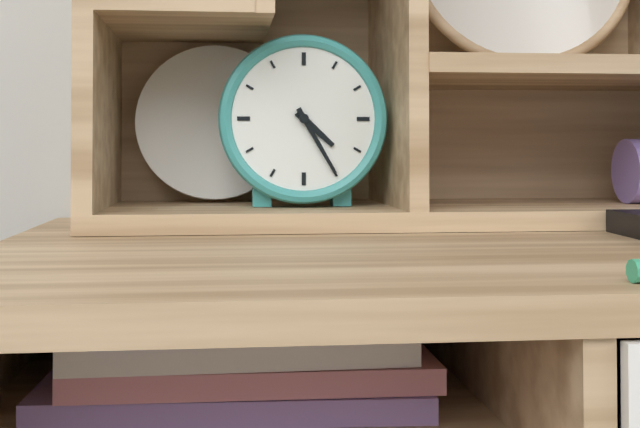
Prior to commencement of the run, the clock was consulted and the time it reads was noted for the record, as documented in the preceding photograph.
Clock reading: 4:25
